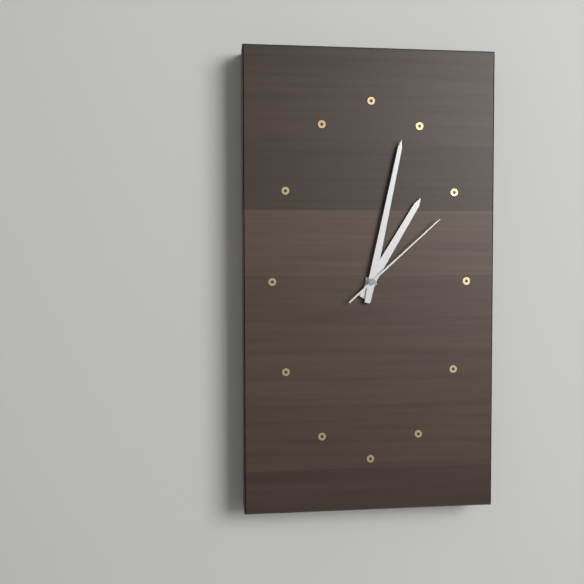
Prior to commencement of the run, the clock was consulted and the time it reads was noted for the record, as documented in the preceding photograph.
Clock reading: 1:02:08
